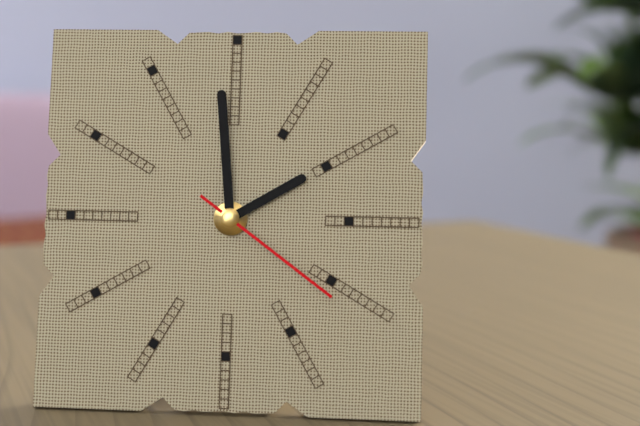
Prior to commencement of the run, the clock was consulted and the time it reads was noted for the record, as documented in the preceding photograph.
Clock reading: 1:59:21
